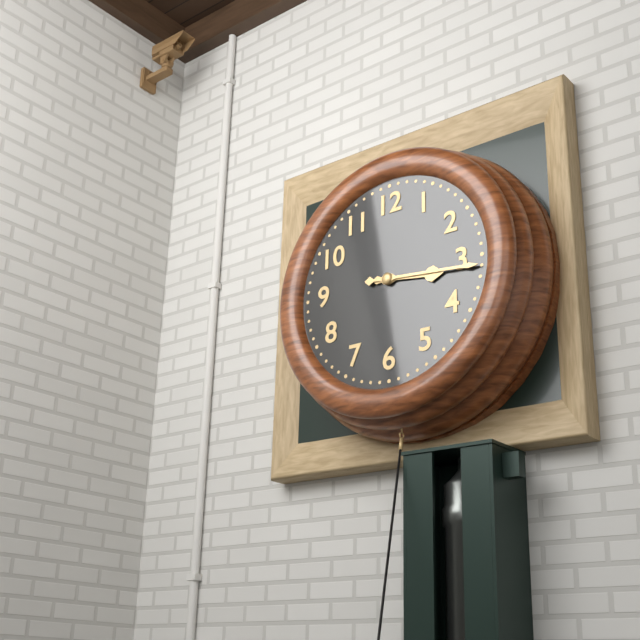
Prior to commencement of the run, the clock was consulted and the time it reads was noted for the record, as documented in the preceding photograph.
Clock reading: 3:16
